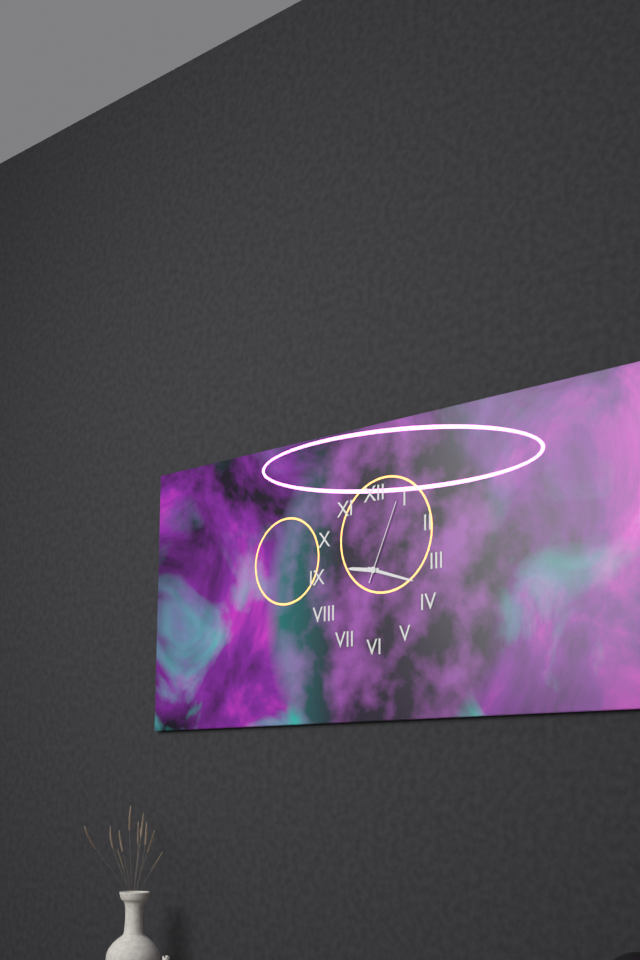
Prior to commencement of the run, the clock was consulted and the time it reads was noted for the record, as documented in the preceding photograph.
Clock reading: 9:18:04
